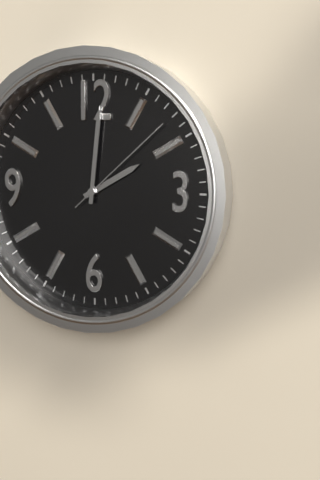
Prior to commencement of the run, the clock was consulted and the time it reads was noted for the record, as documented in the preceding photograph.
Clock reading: 2:01:08
